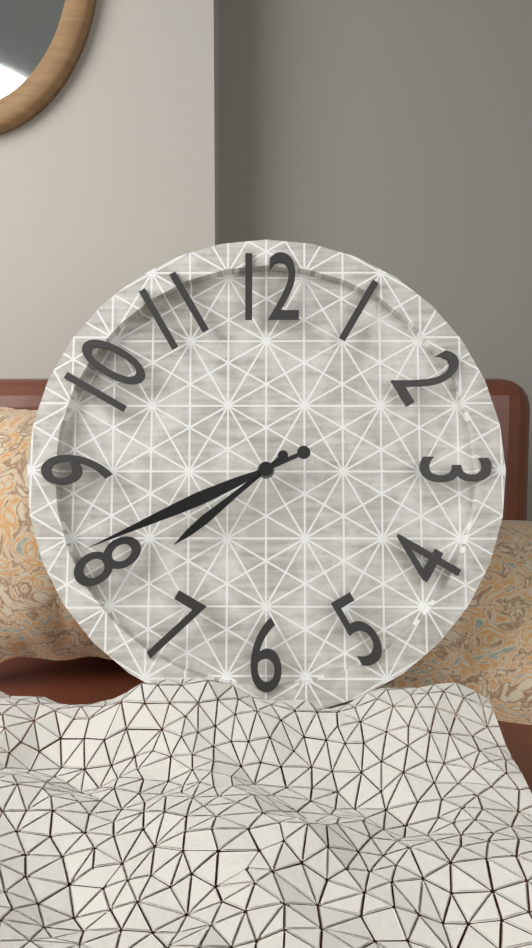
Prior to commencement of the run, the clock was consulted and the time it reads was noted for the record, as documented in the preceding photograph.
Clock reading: 7:41
